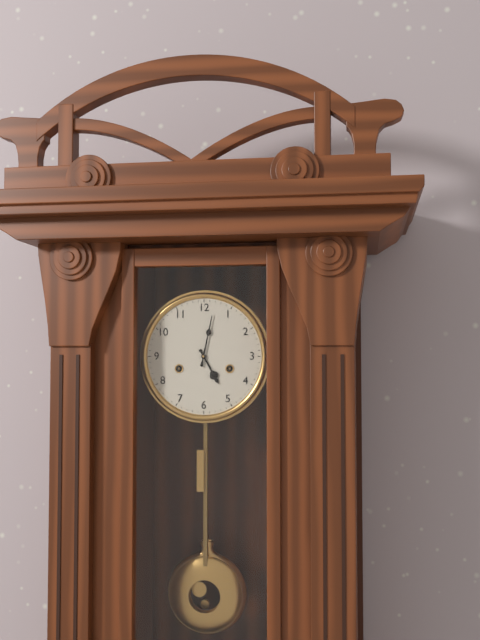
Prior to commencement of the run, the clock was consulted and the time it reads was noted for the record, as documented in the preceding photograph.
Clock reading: 5:02
